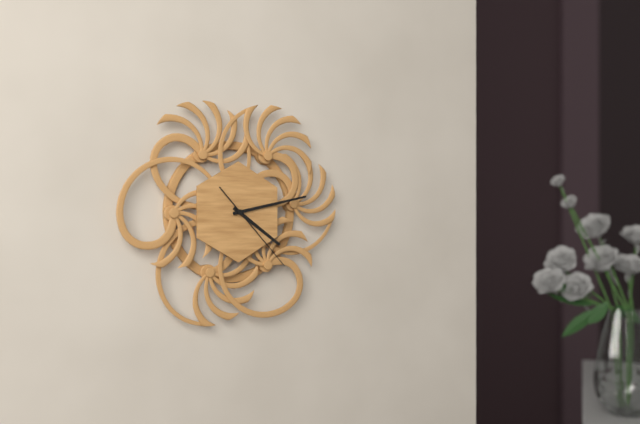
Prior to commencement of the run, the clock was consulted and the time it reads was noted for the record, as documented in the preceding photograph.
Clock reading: 4:13:23
